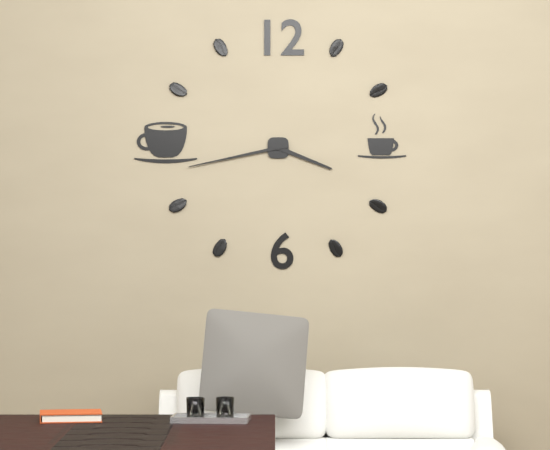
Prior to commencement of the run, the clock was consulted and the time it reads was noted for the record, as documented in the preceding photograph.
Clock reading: 3:43
